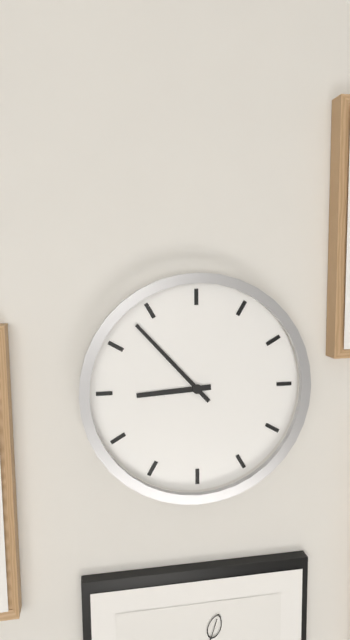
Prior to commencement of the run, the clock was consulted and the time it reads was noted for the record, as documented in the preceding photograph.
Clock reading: 8:53
